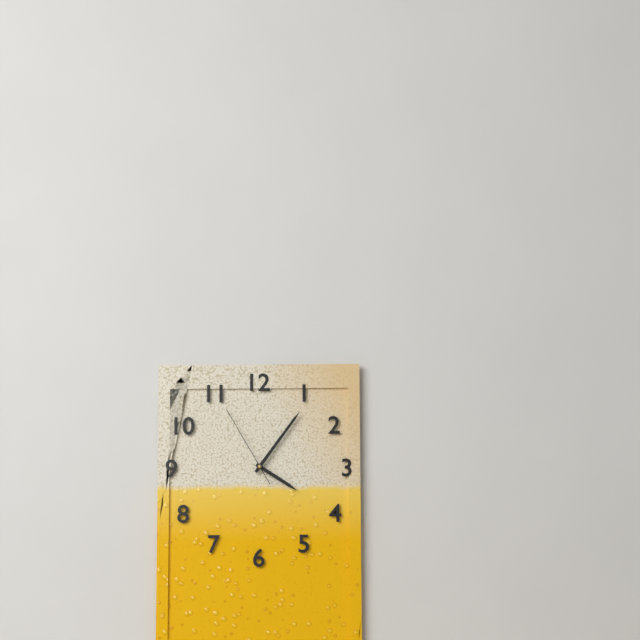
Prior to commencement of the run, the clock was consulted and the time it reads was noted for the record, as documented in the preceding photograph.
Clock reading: 4:06:55
